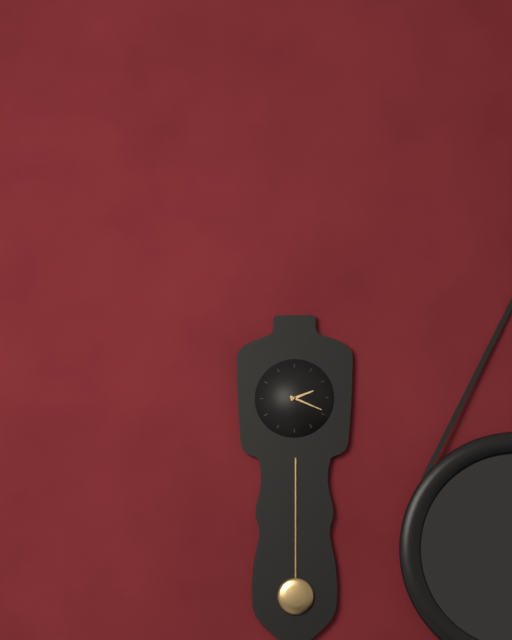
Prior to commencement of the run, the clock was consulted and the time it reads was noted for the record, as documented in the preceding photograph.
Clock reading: 2:19
